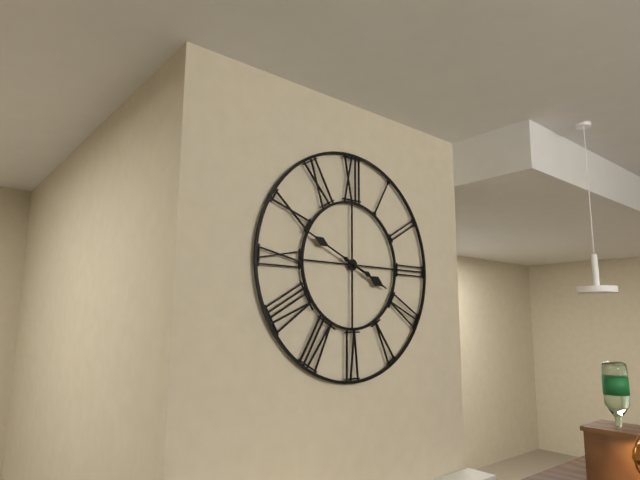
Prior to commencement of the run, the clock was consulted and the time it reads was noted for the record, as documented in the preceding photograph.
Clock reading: 3:49
